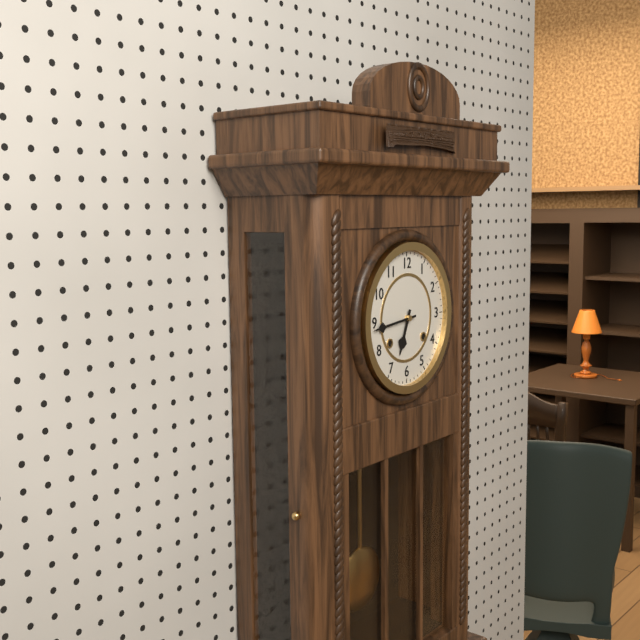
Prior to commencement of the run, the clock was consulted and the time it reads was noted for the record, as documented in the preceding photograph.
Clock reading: 6:44
